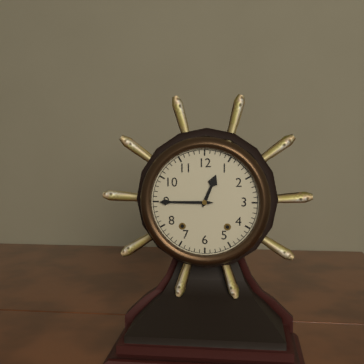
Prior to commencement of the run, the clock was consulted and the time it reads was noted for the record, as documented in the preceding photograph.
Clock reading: 12:45
